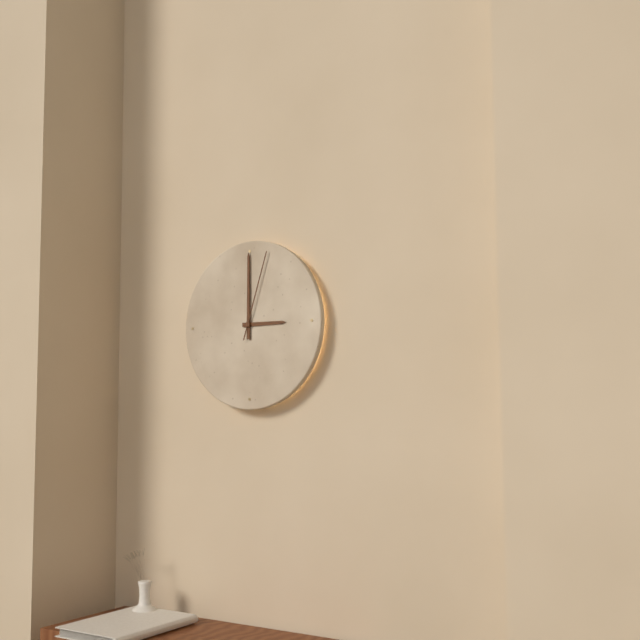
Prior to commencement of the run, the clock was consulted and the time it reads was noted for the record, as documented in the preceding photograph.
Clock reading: 3:00:03
